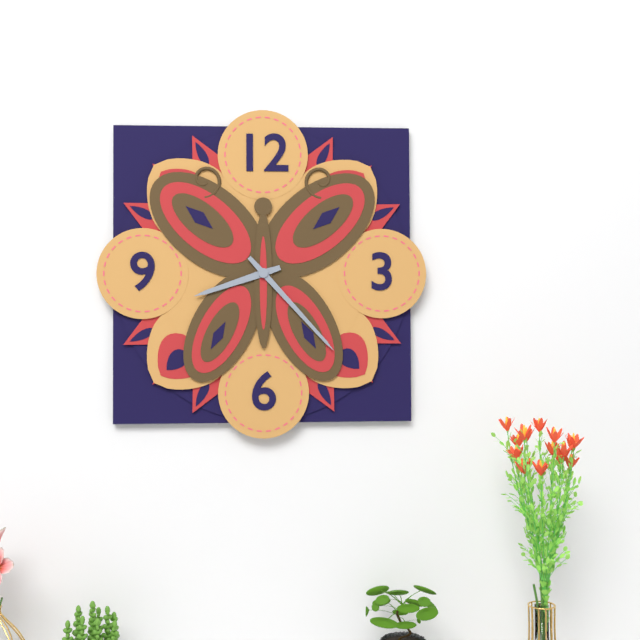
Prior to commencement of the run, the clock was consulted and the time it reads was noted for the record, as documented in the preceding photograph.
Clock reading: 8:23
